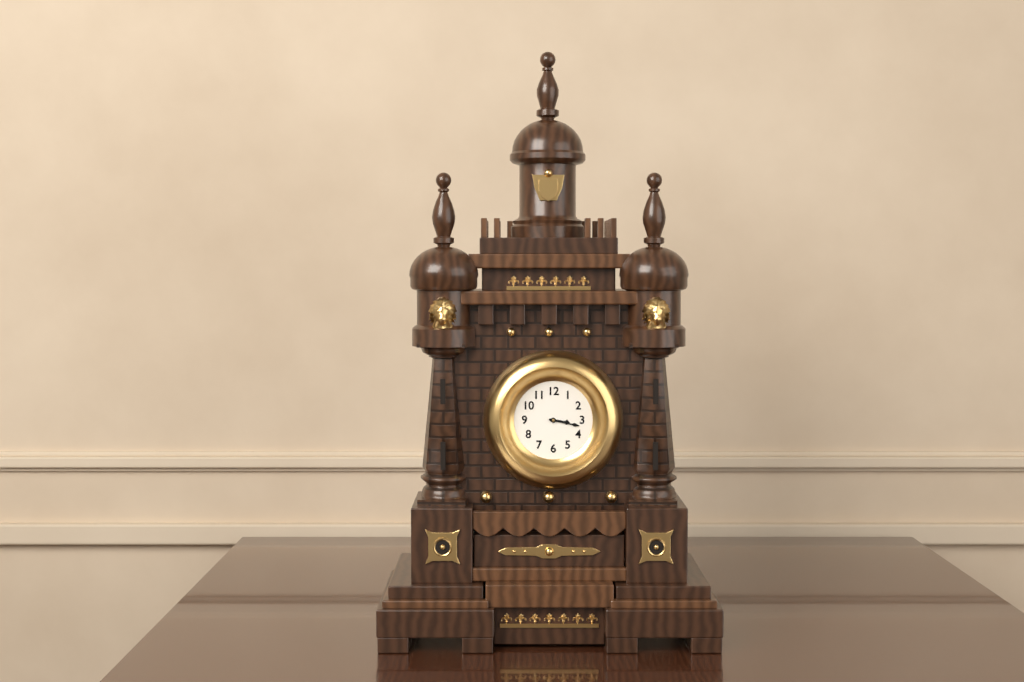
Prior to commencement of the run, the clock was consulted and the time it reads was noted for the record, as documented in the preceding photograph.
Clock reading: 3:17
